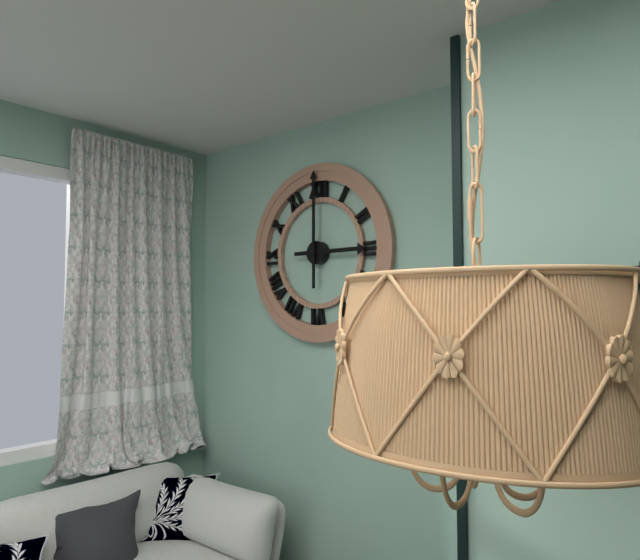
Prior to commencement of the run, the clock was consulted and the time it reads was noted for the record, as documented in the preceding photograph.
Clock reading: 3:00
